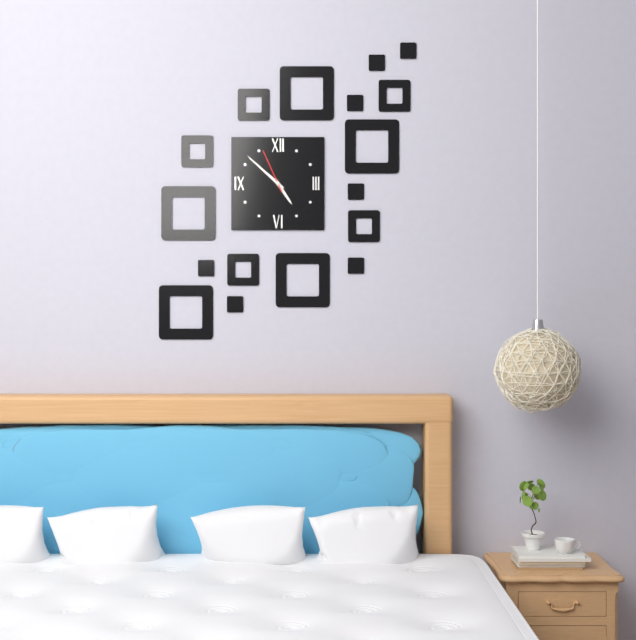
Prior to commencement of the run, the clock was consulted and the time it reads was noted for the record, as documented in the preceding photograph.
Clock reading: 4:52
